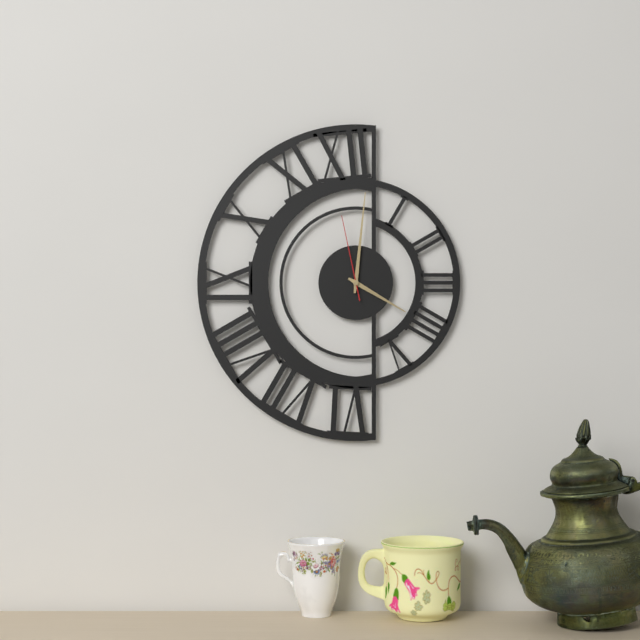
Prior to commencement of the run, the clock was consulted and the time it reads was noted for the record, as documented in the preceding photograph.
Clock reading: 4:01:58
